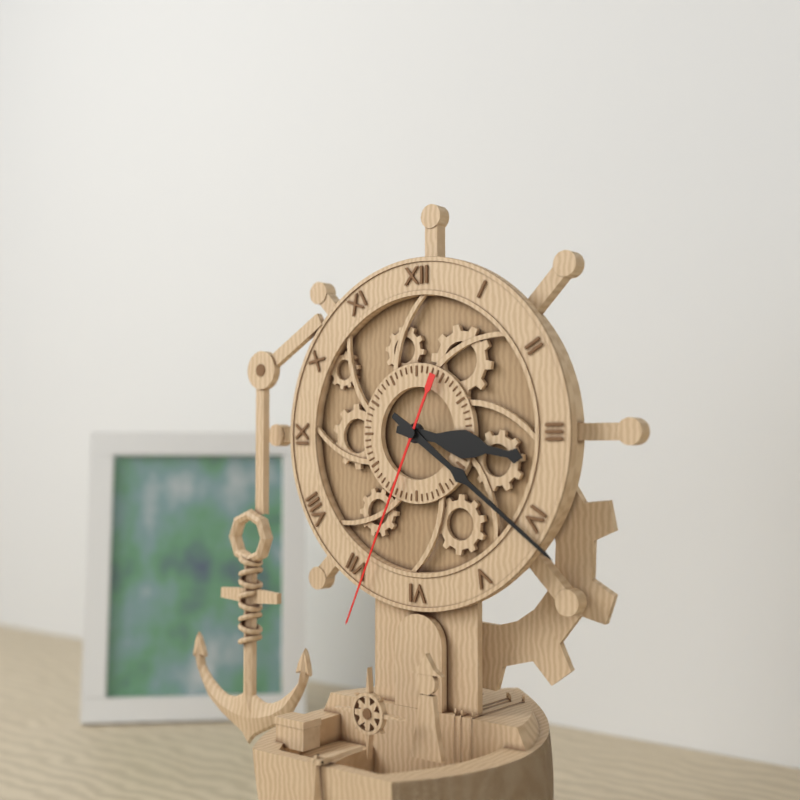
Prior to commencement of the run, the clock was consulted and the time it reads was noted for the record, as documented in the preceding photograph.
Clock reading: 3:21:34
